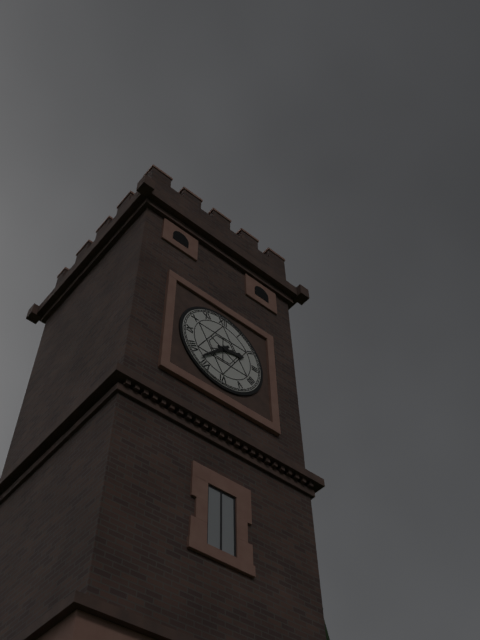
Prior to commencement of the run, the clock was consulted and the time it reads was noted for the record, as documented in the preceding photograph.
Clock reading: 2:37
